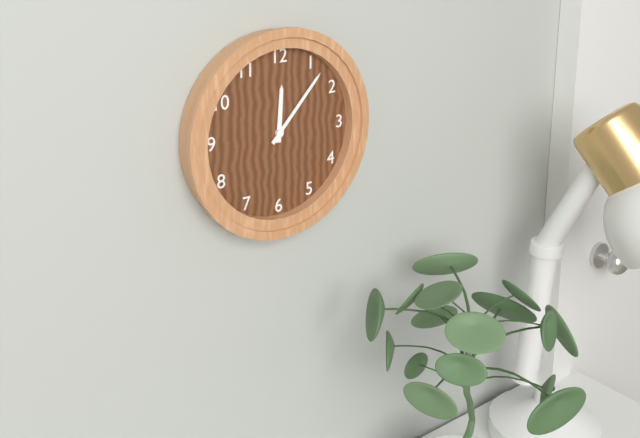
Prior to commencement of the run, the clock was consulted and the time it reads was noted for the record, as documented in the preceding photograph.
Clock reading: 12:07
